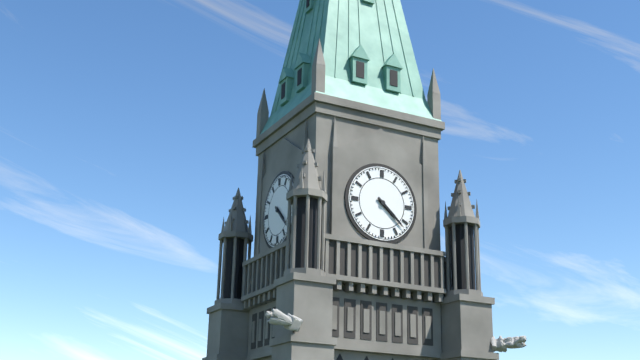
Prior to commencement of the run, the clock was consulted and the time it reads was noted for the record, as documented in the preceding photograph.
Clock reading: 4:22
